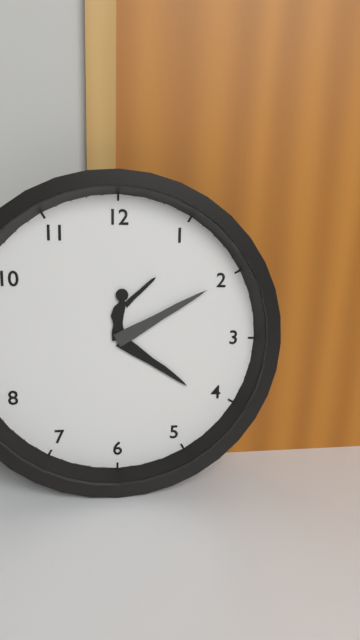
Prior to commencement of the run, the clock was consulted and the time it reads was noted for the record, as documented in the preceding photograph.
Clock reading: 4:10
